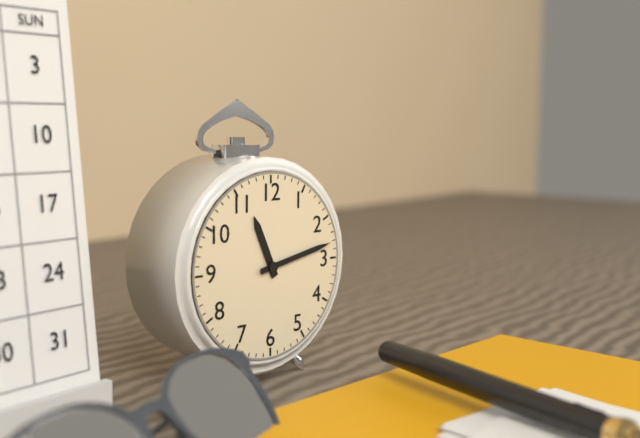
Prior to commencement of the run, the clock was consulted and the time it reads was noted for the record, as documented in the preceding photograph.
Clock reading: 11:13
